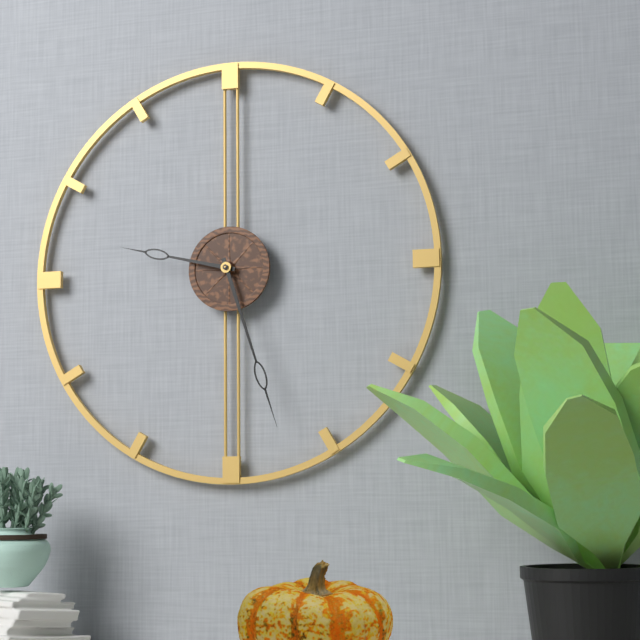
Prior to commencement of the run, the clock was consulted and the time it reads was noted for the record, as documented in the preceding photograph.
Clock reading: 9:27
